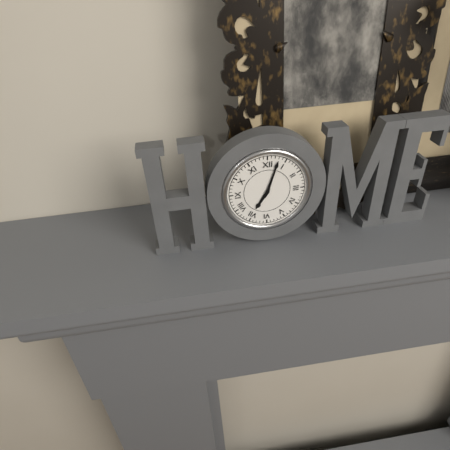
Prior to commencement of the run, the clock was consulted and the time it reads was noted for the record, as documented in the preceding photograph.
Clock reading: 7:03
